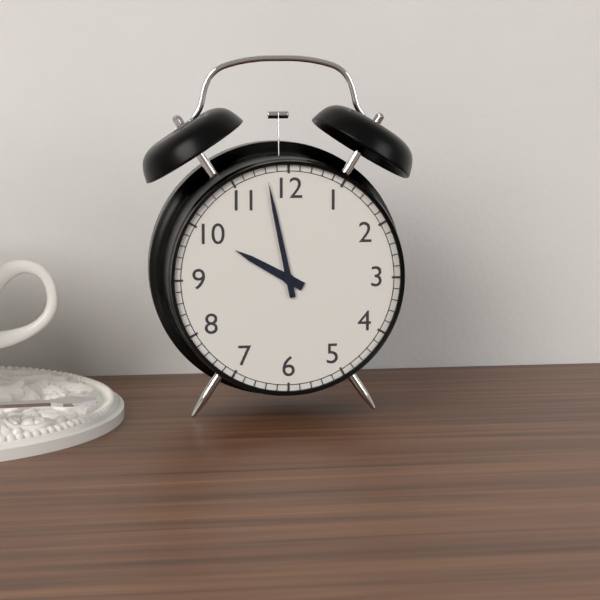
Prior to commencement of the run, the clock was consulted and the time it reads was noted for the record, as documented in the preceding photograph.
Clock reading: 9:58
